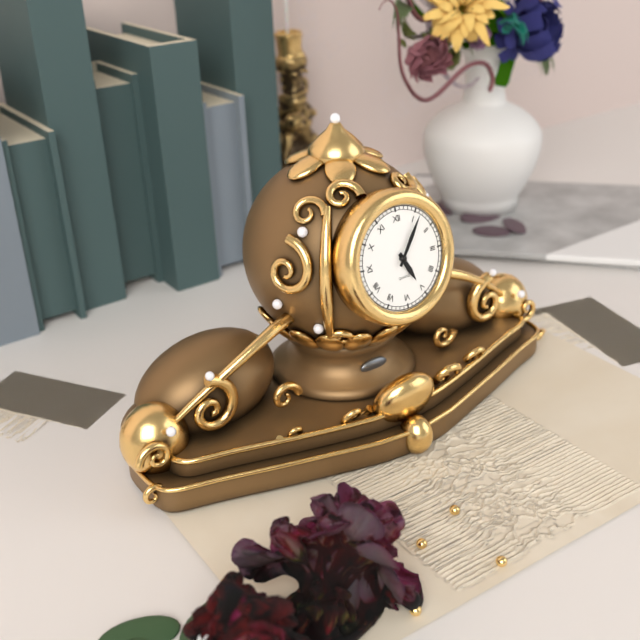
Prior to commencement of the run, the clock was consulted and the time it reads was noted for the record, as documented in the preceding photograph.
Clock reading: 5:06
